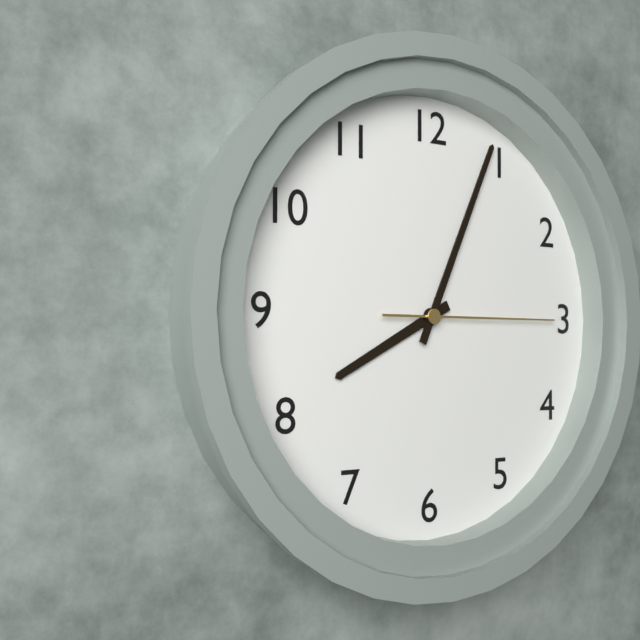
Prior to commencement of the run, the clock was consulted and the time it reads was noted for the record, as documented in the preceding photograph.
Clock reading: 8:04:15
